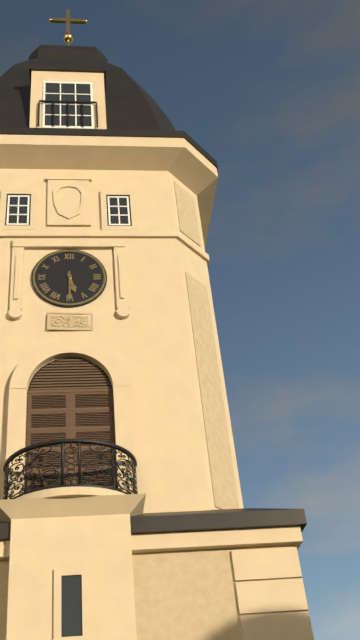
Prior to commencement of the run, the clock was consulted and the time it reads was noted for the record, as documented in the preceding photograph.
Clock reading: 5:30
